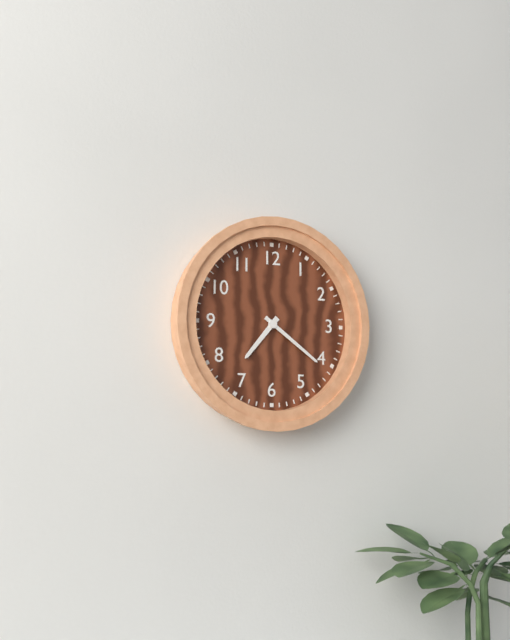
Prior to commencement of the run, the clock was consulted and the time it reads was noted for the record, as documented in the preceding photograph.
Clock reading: 7:21
